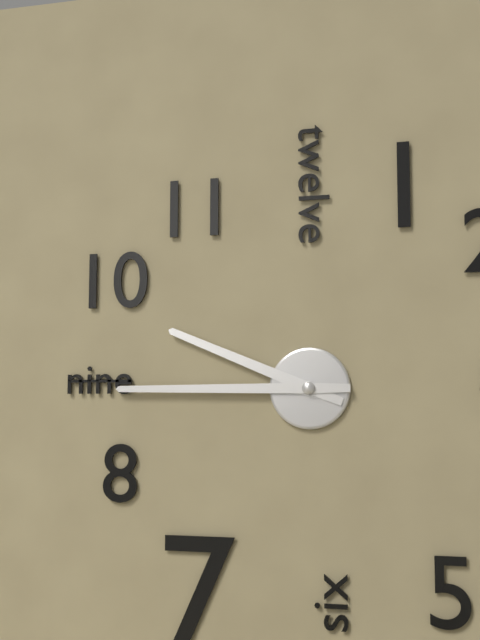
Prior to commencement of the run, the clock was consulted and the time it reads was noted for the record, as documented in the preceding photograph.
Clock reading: 9:45
